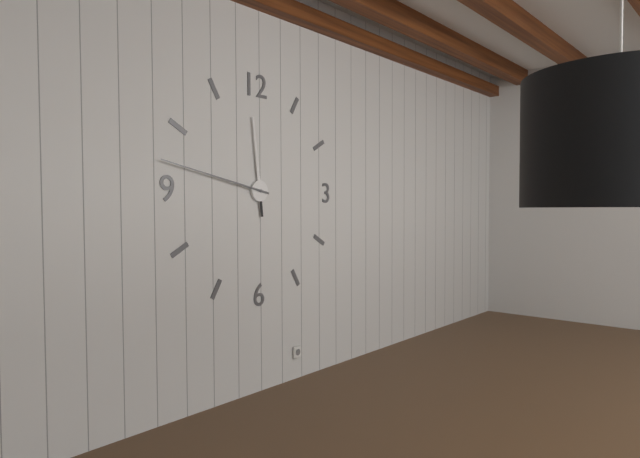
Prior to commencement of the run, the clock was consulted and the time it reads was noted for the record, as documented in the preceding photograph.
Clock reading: 11:47
